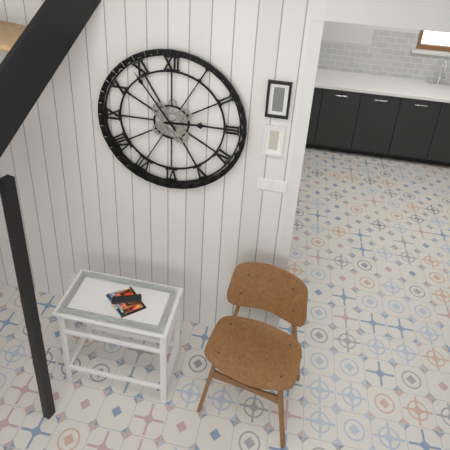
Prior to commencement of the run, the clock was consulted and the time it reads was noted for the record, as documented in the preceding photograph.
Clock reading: 2:54
